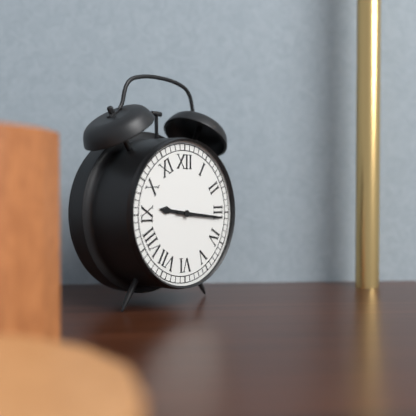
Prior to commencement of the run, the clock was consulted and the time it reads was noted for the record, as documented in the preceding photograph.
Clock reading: 9:16
